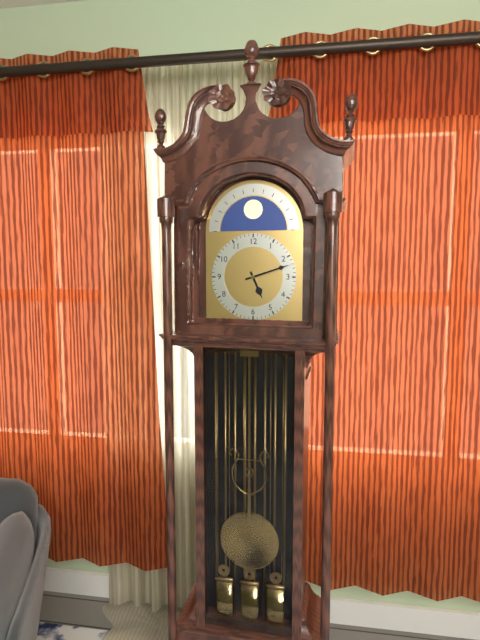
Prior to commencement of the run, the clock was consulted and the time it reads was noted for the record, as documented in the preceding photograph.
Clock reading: 5:12
